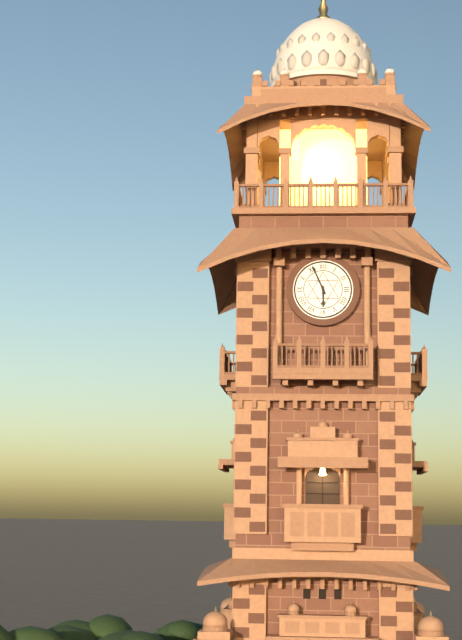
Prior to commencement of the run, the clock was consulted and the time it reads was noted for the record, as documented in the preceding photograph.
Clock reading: 5:56
